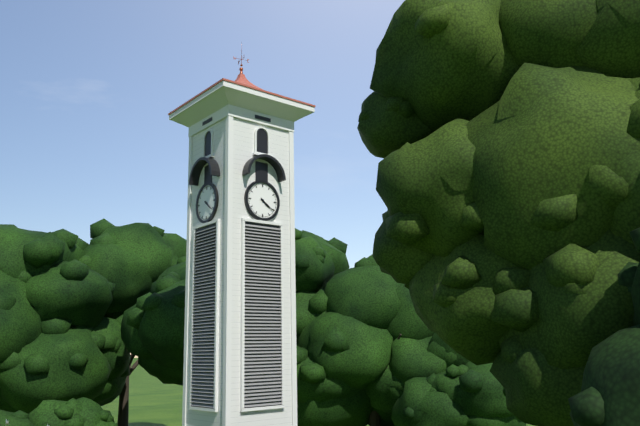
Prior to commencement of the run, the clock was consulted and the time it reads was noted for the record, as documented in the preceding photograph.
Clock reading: 4:21
